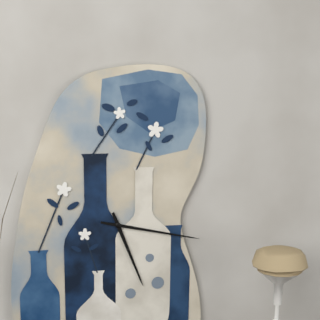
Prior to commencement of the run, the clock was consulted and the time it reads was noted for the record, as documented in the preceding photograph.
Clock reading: 5:17
